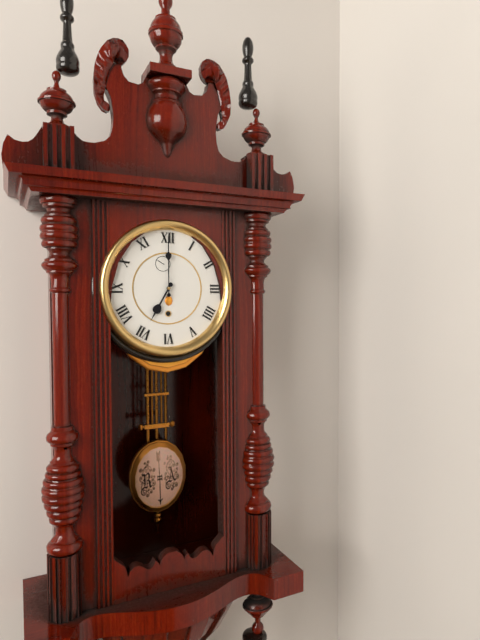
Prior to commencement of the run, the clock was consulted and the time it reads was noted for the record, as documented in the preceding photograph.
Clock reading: 7:00
